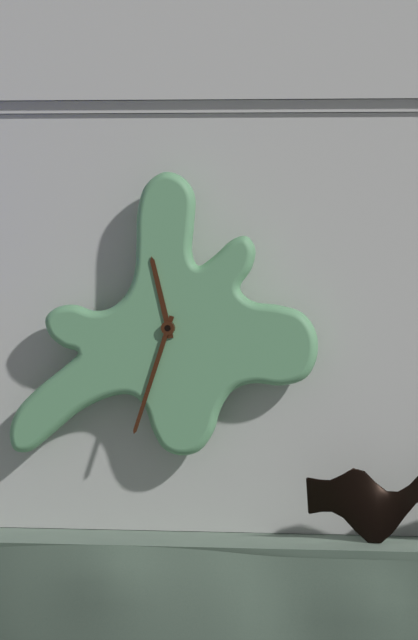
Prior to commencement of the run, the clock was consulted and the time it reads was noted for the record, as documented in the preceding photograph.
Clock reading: 11:33
